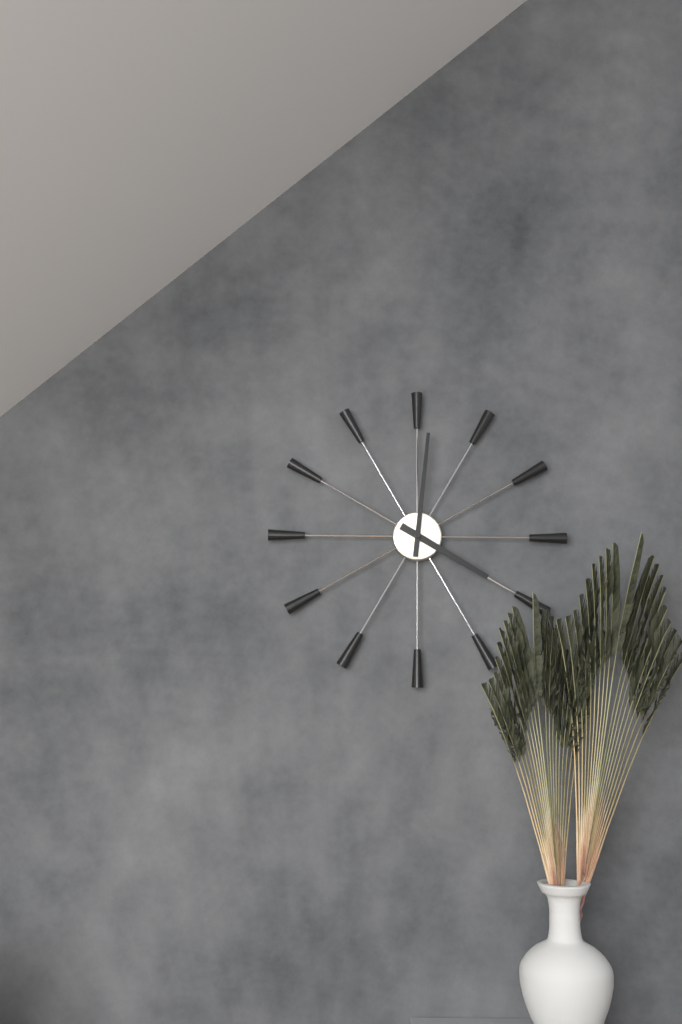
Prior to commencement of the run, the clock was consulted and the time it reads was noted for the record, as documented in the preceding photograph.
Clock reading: 4:01
